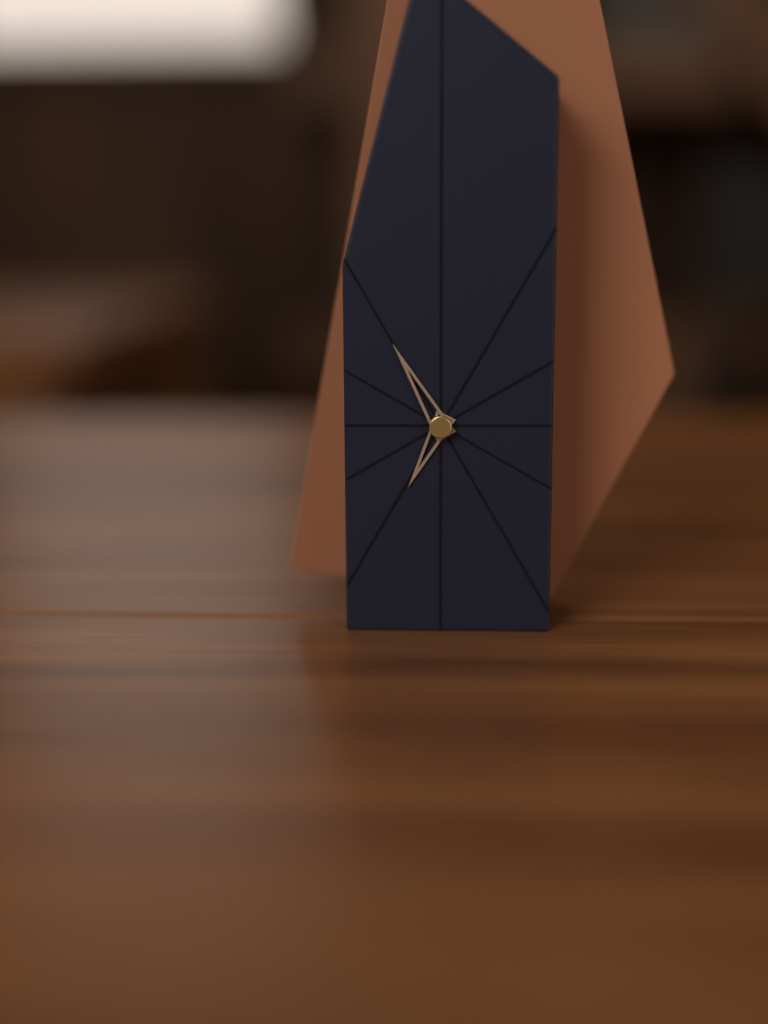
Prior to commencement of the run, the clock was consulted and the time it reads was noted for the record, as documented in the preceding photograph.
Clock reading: 6:55
